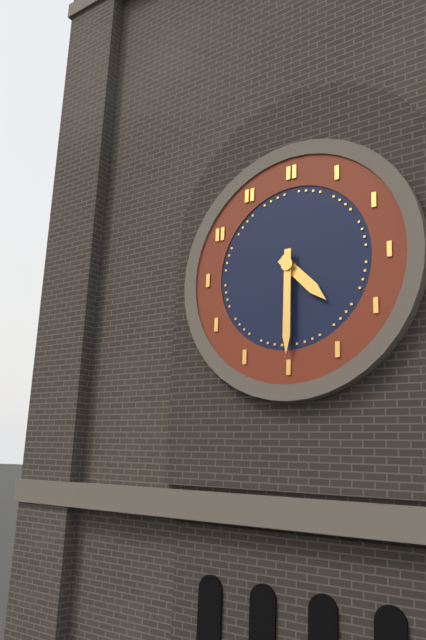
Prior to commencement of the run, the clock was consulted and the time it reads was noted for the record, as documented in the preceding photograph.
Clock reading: 4:30
